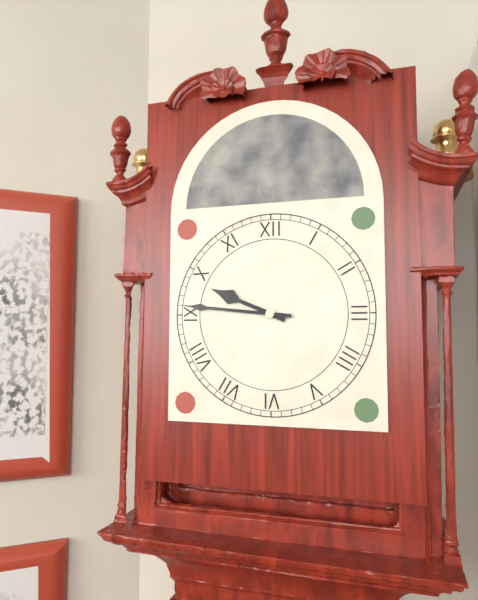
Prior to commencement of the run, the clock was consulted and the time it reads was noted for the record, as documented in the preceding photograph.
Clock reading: 9:46
